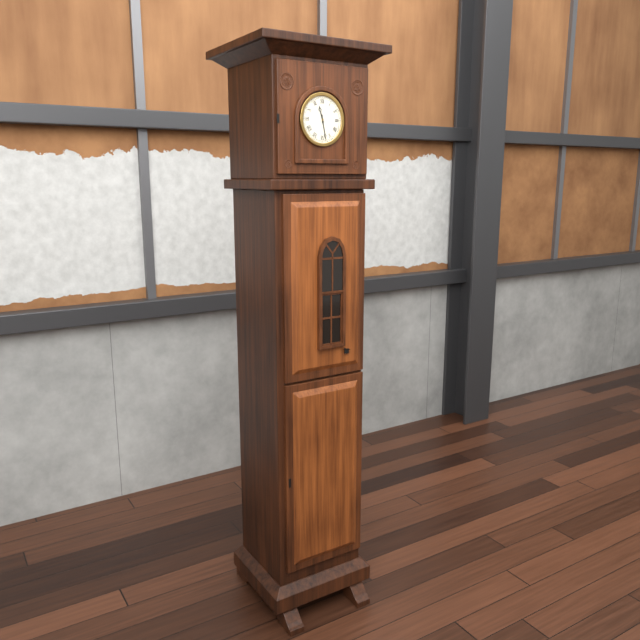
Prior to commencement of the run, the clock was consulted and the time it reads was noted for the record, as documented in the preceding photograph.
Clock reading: 11:28
